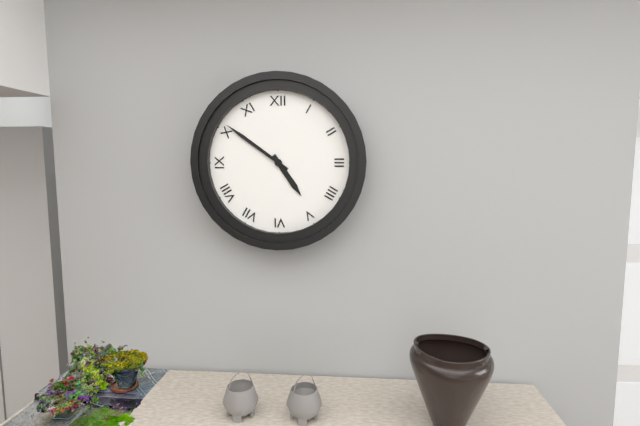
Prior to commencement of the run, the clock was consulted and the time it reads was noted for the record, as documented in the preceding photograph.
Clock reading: 4:51
